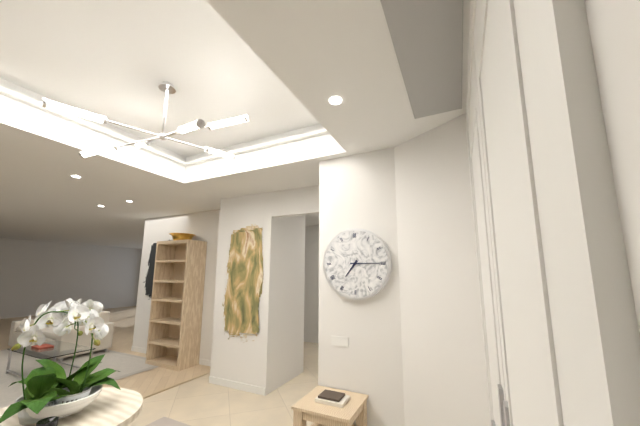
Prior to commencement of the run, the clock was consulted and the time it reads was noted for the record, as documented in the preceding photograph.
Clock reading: 7:15
